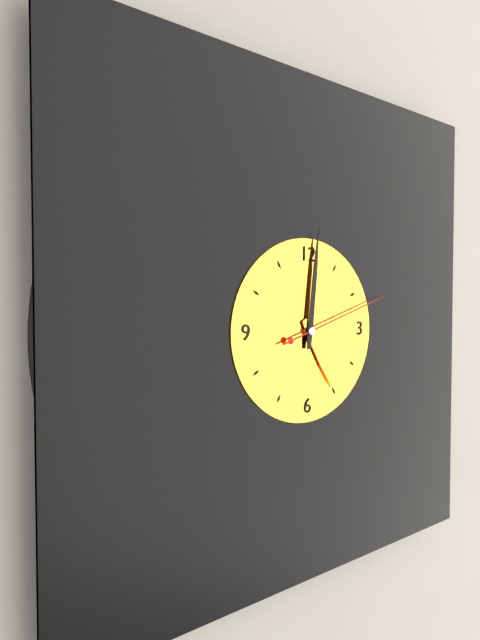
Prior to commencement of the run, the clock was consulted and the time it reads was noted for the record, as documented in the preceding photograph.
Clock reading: 5:01:12
